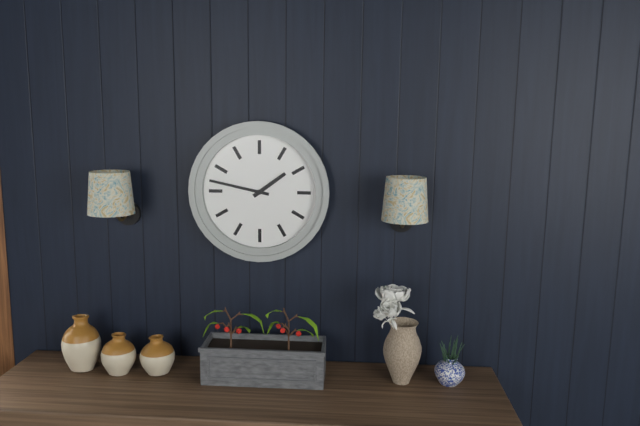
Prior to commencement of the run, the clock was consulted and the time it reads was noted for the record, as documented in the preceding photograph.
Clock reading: 1:47
